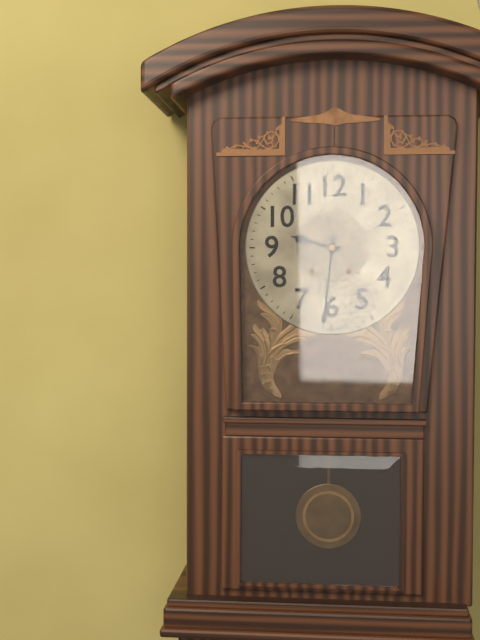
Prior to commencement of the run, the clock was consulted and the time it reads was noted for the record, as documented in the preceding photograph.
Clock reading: 9:31
